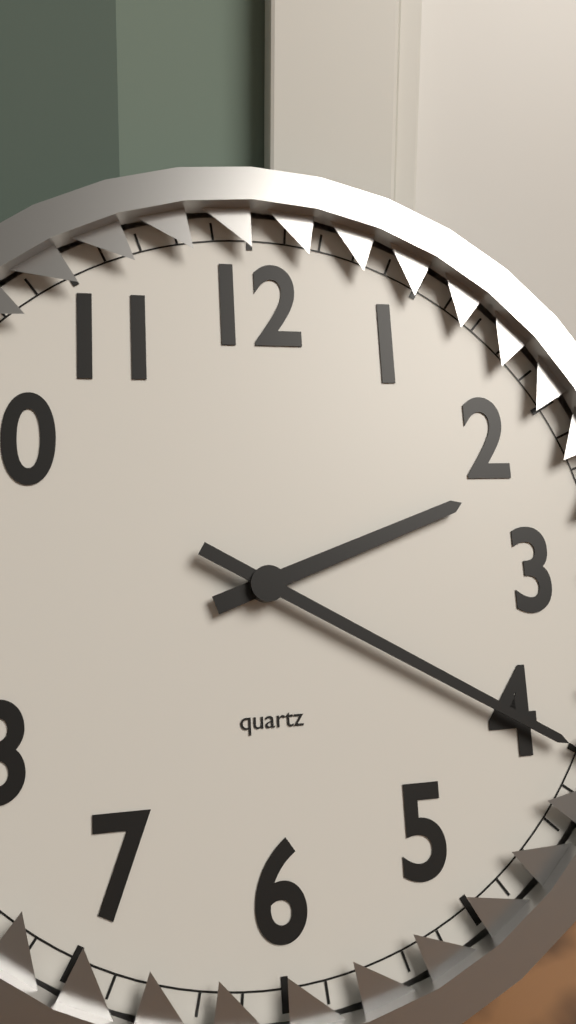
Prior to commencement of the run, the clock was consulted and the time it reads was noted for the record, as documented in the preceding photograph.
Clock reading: 2:20
